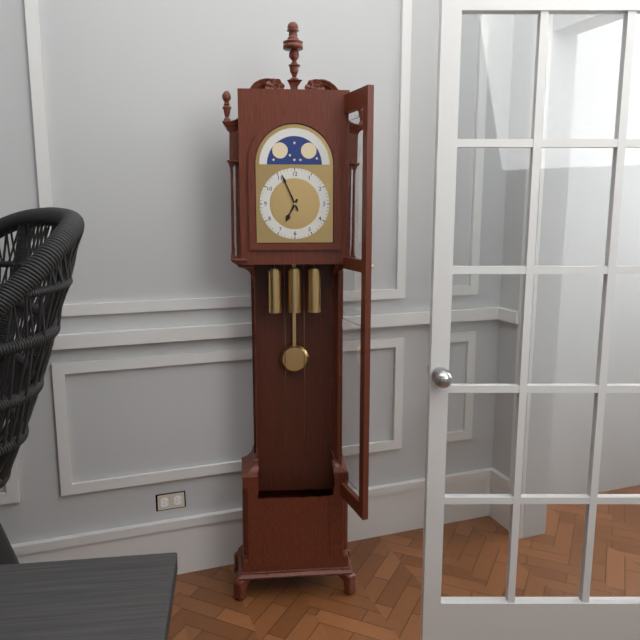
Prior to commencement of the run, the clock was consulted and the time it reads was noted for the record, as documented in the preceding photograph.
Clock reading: 6:56
